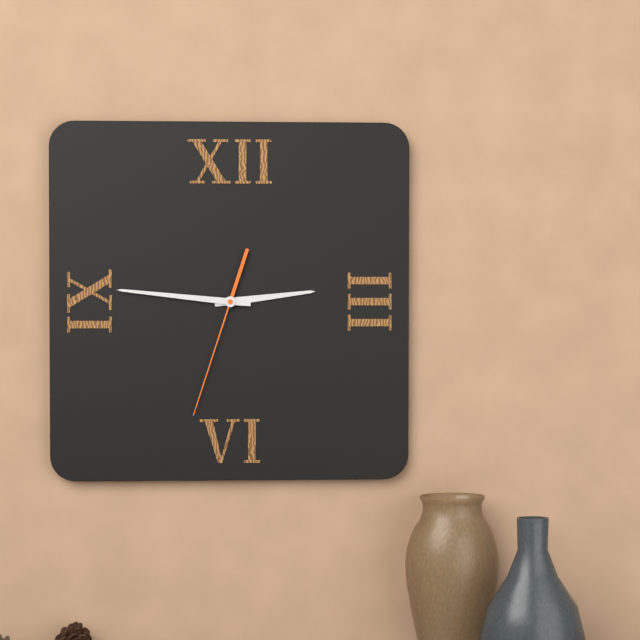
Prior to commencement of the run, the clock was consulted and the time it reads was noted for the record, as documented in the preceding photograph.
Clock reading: 2:46:33
